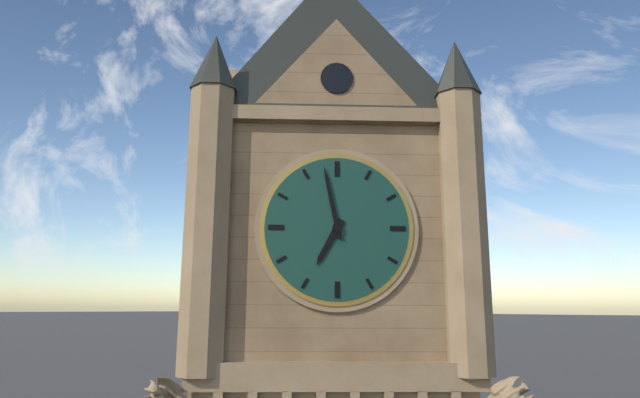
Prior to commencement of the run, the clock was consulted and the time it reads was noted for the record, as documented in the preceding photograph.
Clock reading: 6:58
